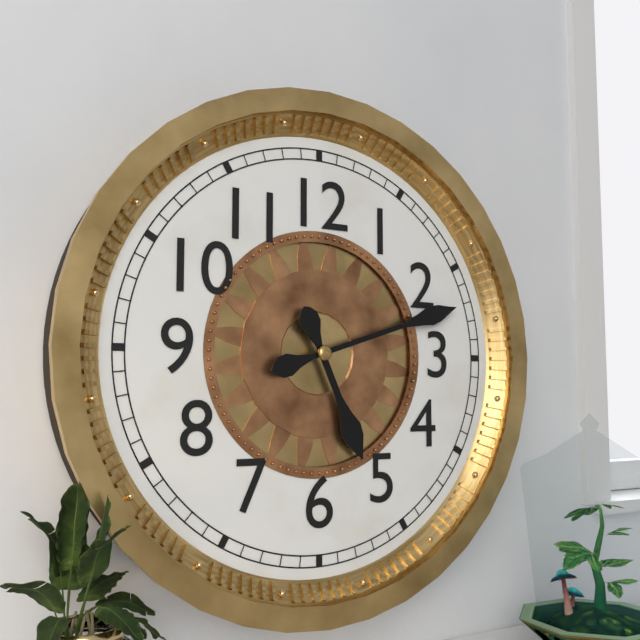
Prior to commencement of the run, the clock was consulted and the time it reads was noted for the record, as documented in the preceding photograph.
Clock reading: 5:12
